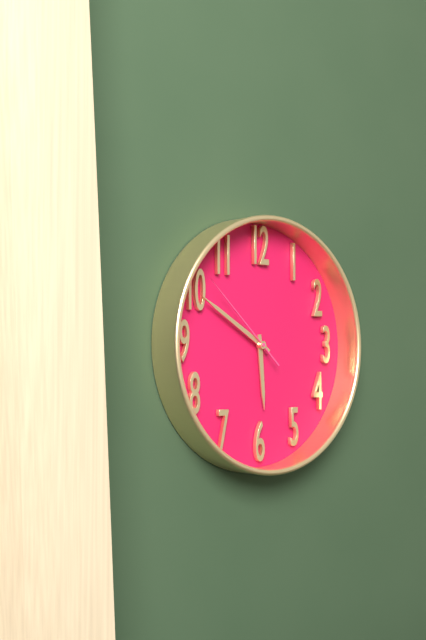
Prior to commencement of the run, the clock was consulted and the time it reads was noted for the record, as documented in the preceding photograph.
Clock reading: 5:50:52
